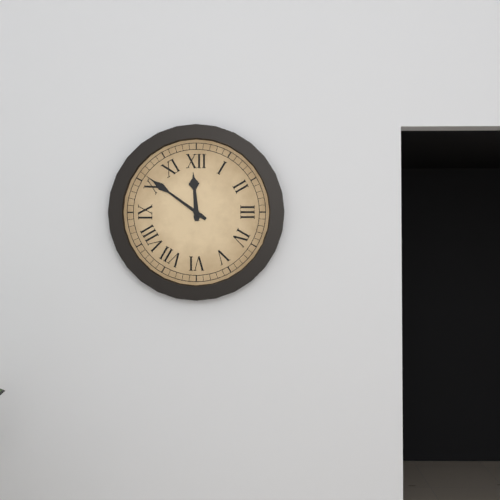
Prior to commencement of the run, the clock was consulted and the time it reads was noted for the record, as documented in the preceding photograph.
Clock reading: 11:51
